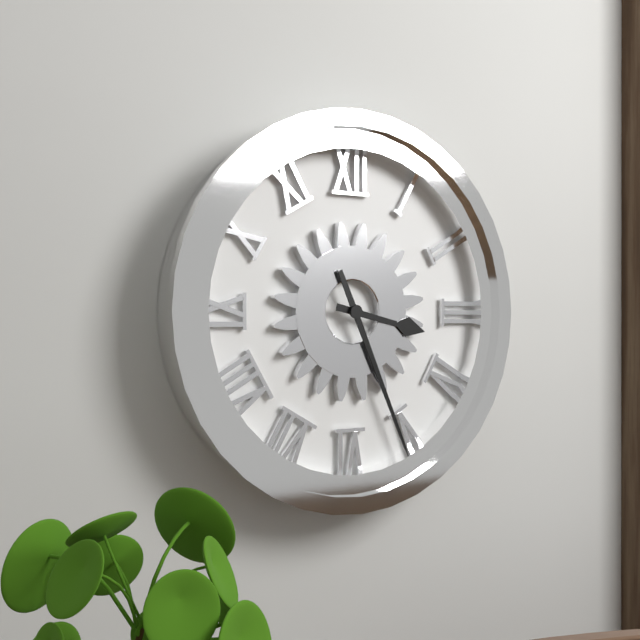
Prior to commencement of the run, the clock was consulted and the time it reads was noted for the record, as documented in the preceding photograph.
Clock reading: 3:26
